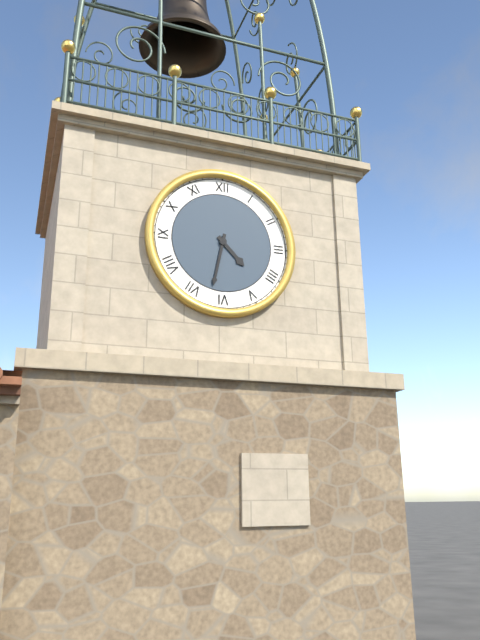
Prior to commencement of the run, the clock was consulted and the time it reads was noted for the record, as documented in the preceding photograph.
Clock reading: 4:32
